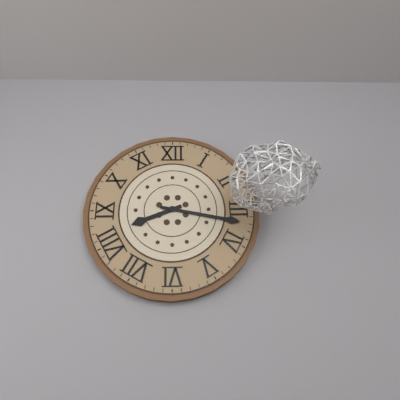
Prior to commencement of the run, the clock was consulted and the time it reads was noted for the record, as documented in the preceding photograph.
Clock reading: 8:17
